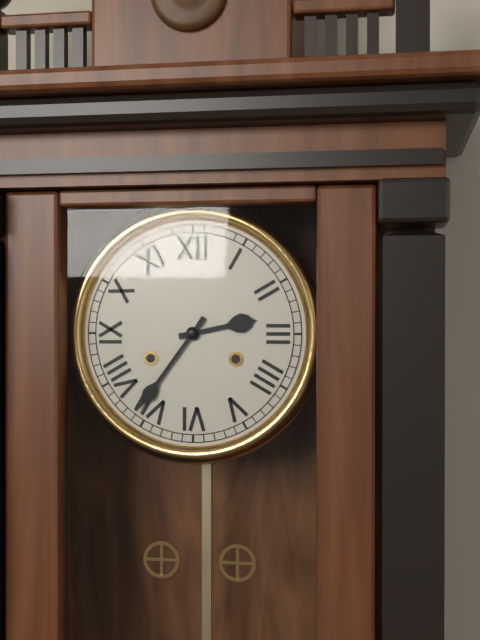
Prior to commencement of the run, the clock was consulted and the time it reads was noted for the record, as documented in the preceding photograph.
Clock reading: 2:36
